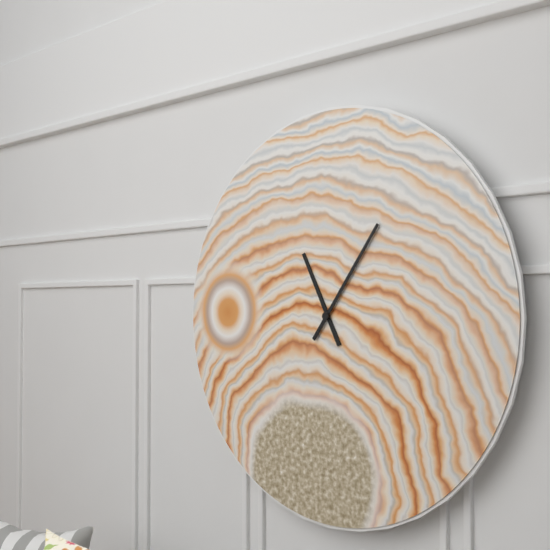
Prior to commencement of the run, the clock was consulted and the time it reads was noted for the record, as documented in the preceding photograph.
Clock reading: 11:06
